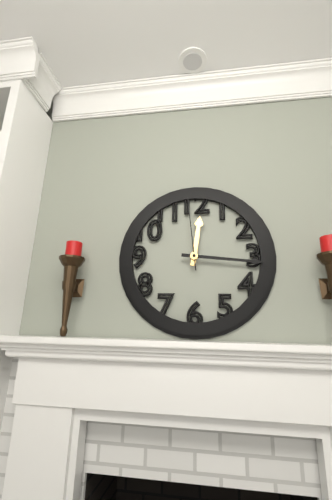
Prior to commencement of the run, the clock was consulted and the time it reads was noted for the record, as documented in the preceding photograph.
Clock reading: 12:16:59
